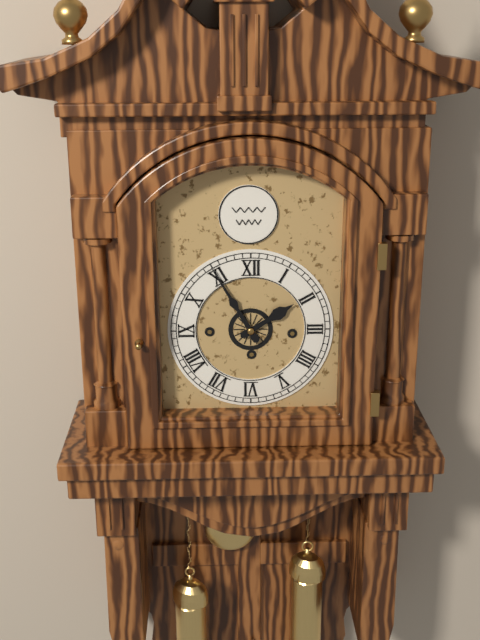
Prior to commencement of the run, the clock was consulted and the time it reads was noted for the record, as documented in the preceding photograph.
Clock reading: 1:55
